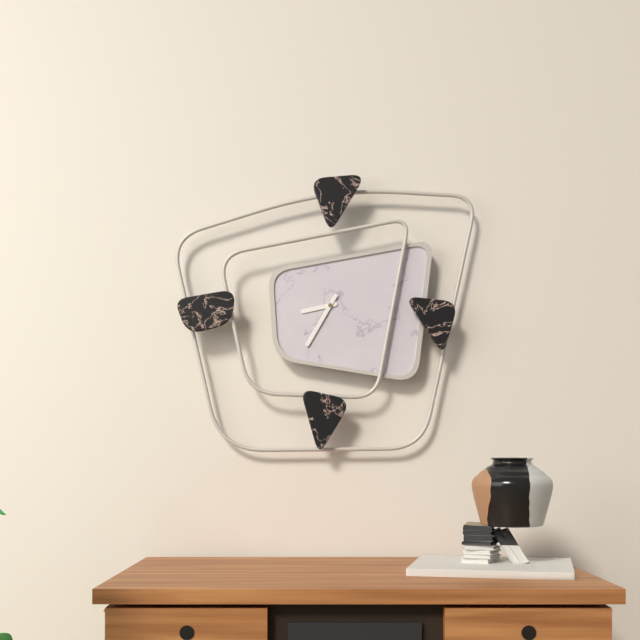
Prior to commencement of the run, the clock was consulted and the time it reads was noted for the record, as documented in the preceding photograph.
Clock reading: 8:35
